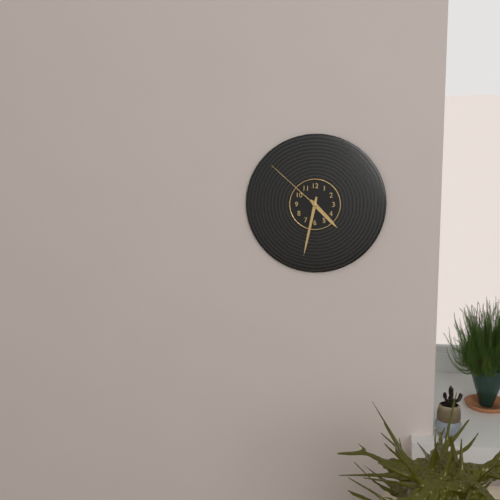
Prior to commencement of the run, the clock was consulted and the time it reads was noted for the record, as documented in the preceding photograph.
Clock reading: 4:32:52
